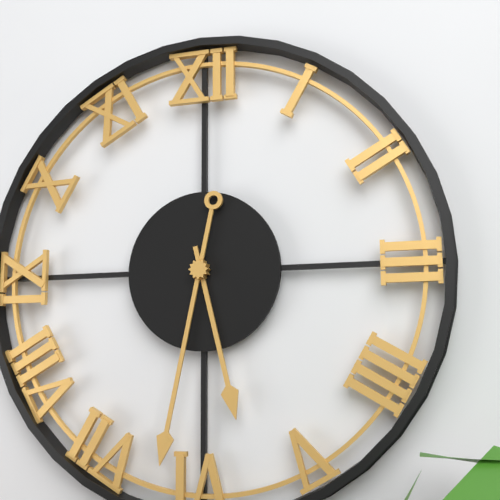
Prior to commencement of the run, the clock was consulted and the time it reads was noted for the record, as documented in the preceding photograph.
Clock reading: 5:32
